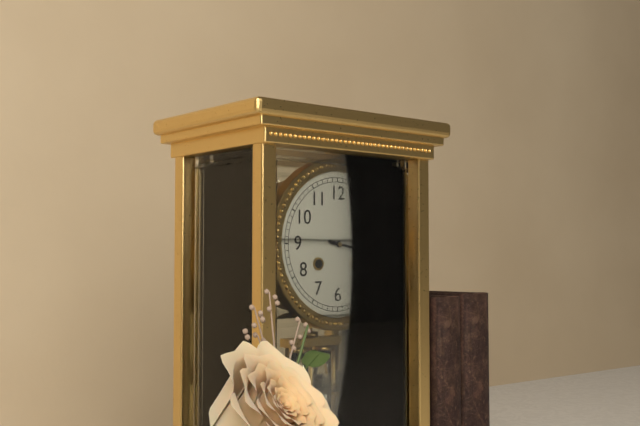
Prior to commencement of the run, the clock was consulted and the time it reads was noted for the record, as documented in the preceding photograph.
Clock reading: 3:17
